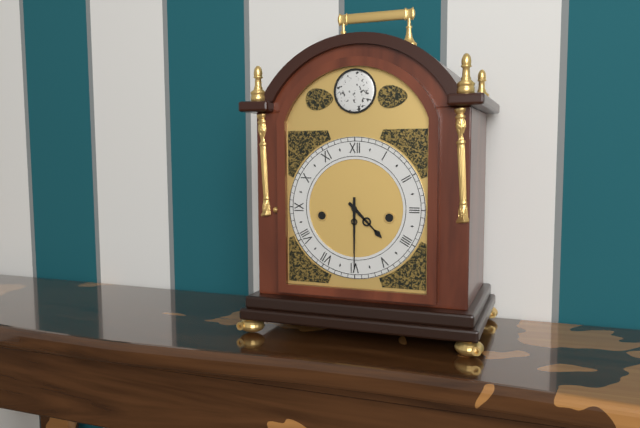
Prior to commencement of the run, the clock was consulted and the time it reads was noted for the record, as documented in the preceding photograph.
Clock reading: 4:30
